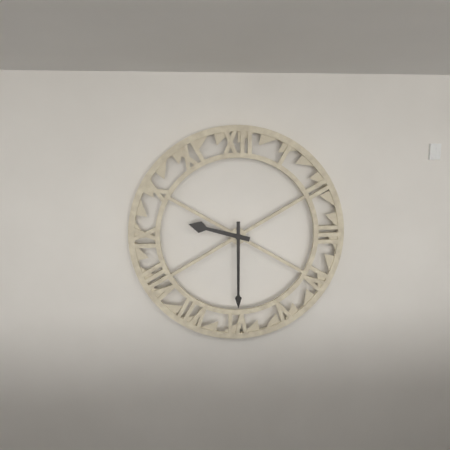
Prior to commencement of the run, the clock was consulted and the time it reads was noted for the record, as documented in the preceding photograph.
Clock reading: 9:30
